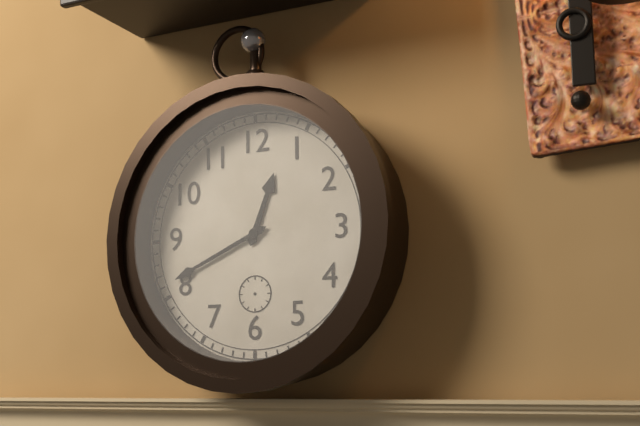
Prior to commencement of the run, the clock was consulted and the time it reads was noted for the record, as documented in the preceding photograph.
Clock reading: 12:41
